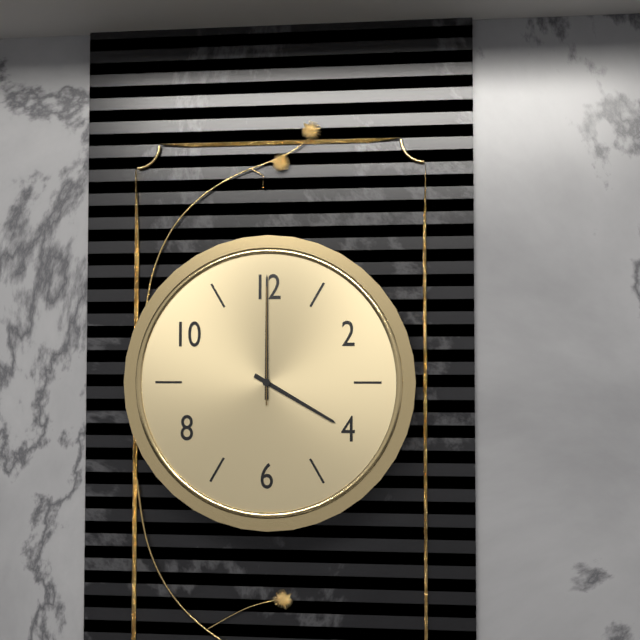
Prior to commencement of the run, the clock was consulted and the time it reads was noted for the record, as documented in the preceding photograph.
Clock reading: 4:00:00
